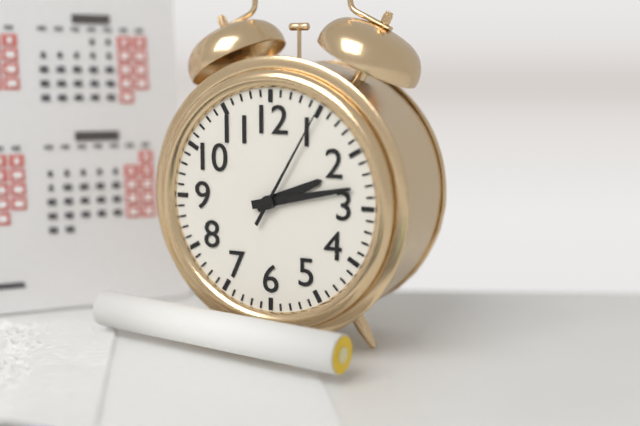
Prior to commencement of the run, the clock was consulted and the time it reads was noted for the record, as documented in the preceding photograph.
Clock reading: 2:13:05
